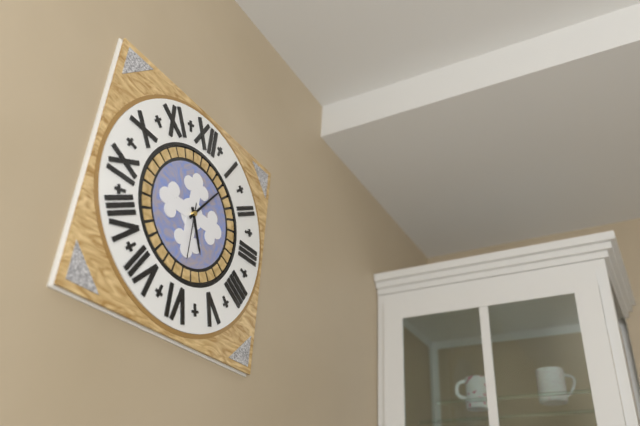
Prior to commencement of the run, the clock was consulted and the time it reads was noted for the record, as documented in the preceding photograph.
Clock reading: 5:06:30
